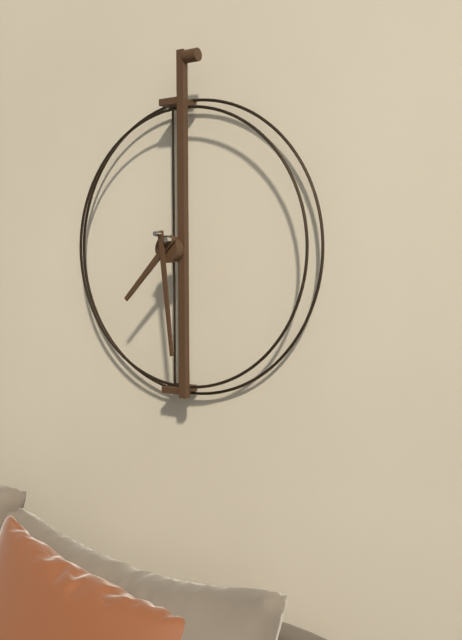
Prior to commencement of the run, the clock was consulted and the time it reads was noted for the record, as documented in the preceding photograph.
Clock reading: 7:29
